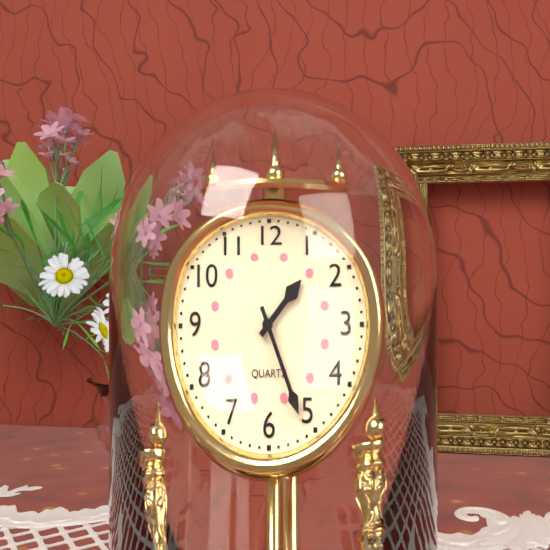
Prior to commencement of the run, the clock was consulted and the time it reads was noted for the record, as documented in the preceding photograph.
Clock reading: 1:26
